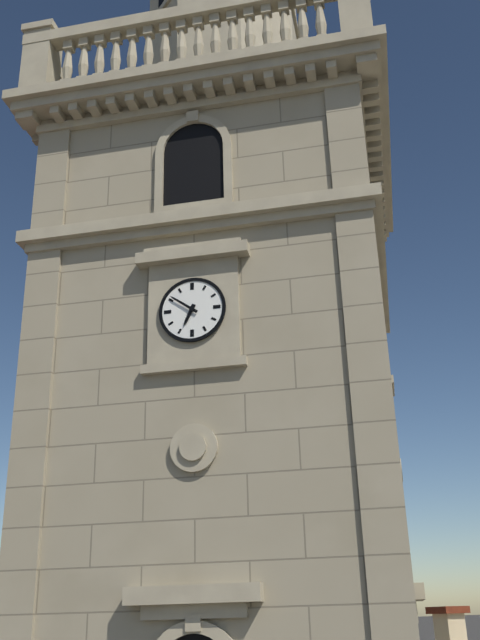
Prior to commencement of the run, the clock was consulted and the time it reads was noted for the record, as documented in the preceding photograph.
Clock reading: 6:51
